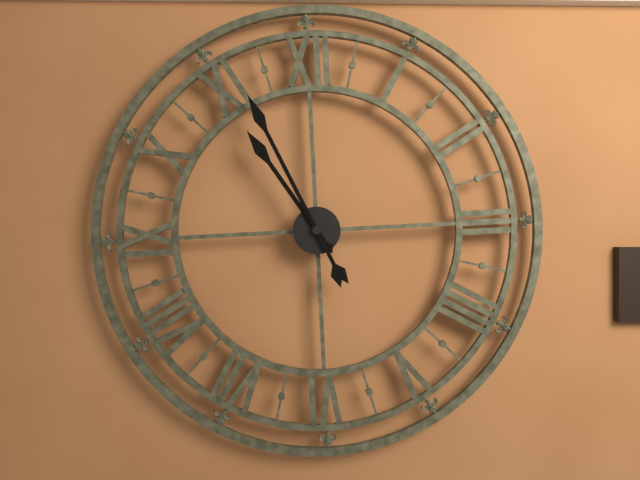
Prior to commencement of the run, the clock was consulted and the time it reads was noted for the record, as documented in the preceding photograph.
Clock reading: 10:56
